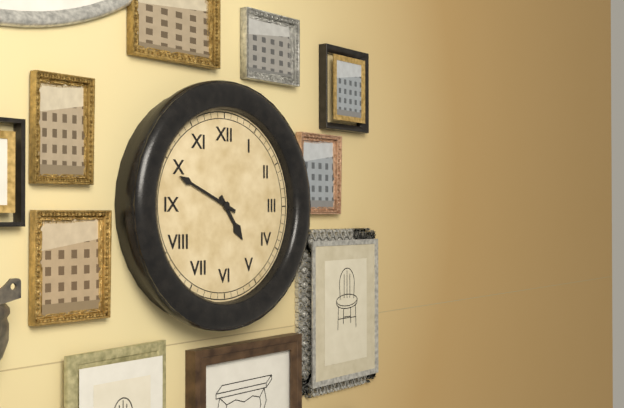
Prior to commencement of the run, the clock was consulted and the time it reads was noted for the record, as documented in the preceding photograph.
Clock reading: 4:49
